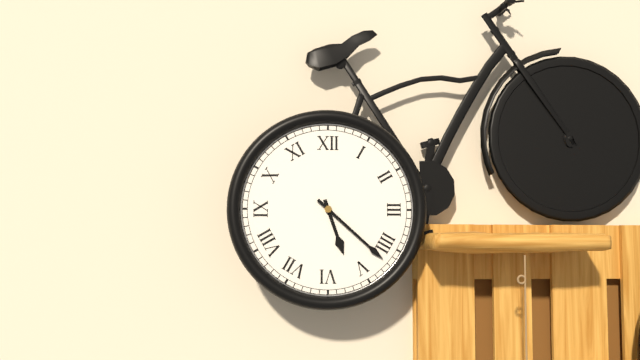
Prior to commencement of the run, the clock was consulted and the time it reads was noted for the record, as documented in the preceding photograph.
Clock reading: 5:22
